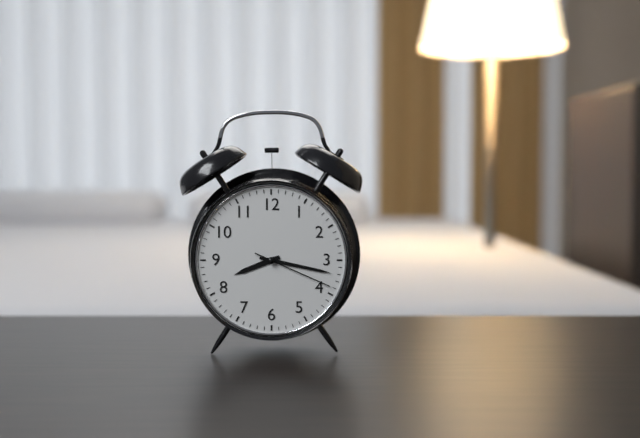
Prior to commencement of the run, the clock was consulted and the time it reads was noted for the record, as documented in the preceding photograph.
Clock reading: 8:17:19
